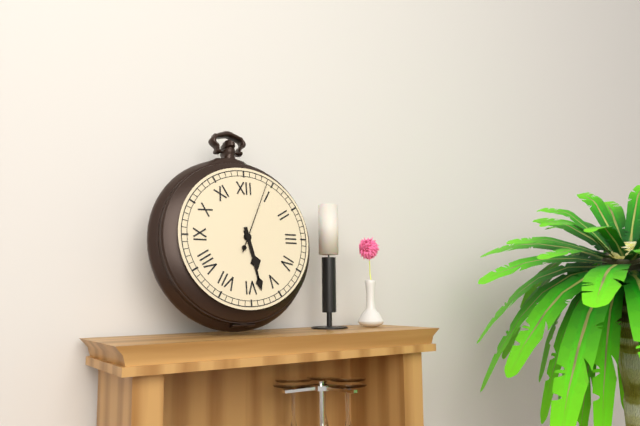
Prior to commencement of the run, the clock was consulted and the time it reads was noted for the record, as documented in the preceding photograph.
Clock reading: 5:28:04
